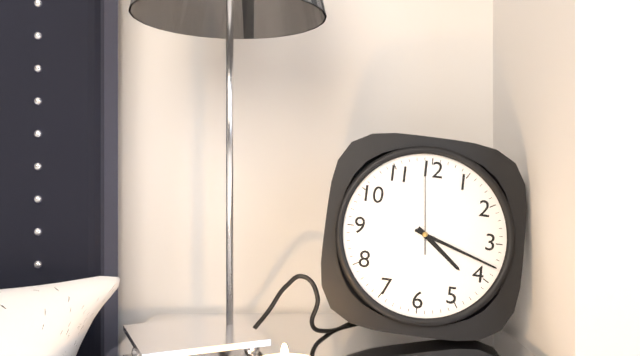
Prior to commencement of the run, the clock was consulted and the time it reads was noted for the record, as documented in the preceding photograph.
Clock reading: 4:18:59
